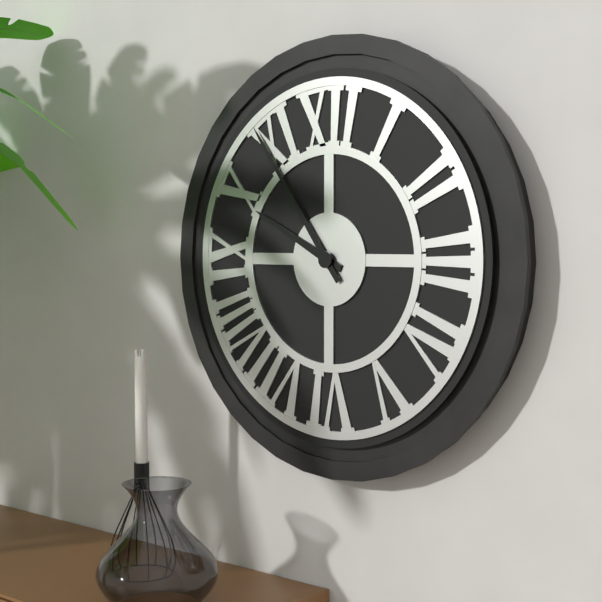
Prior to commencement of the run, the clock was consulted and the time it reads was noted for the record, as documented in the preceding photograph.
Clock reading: 9:54
